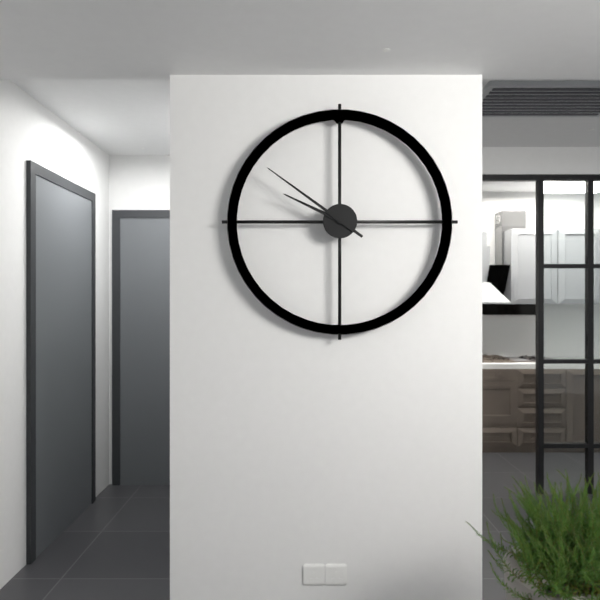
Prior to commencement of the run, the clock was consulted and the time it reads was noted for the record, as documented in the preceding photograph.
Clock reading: 9:51
